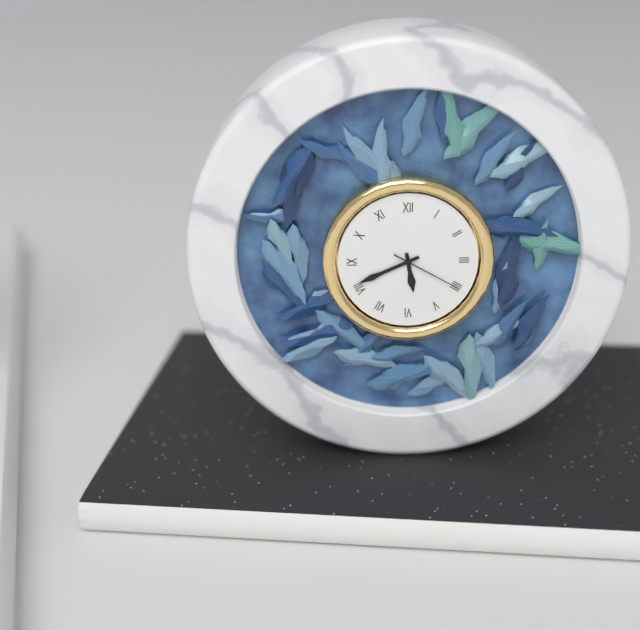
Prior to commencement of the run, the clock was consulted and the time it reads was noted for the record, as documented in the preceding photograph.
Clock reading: 5:41:20
